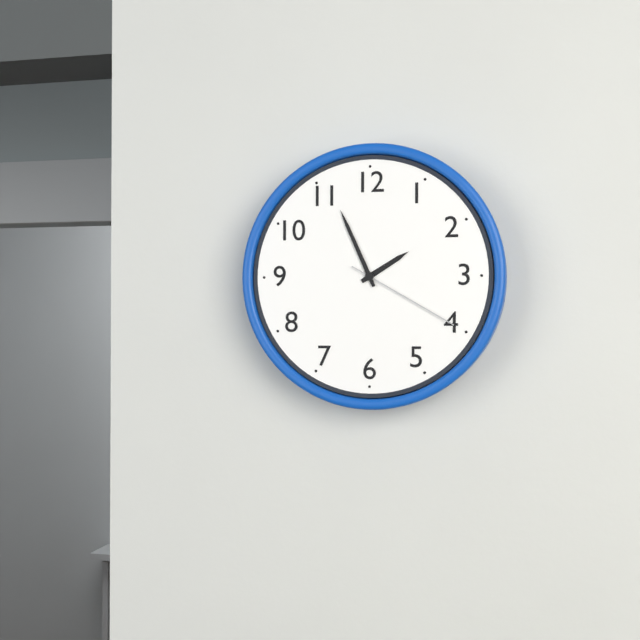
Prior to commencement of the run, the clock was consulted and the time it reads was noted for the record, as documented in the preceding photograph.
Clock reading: 1:56:20
